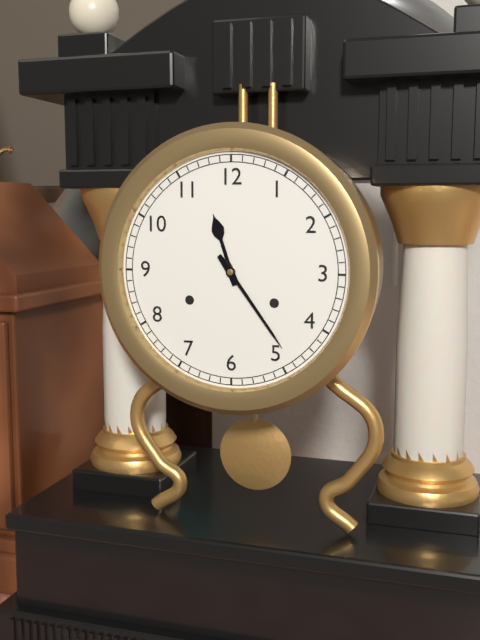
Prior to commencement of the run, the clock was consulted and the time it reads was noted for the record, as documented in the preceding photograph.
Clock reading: 11:24
